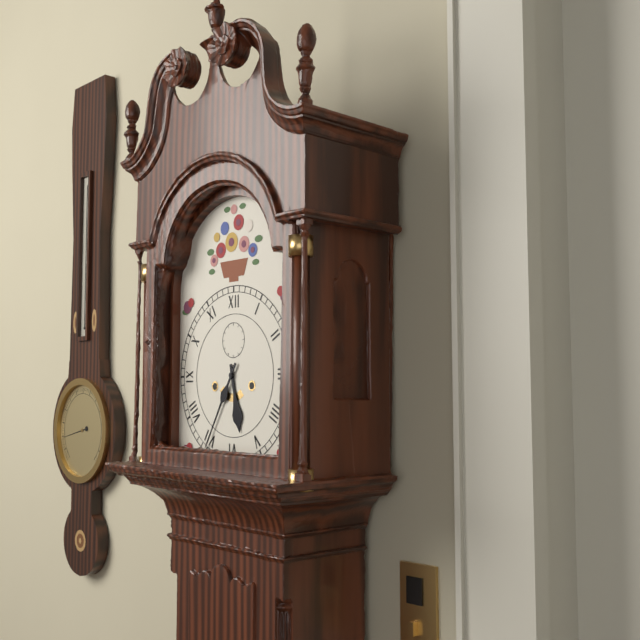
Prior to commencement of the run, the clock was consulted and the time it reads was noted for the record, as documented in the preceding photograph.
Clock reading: 5:35
